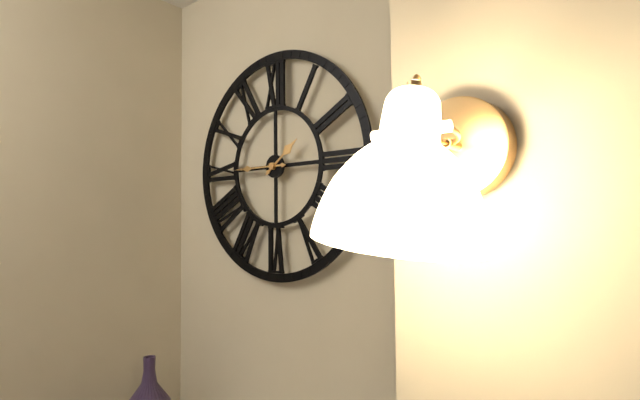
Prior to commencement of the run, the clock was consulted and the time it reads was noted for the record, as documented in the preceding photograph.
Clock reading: 1:45
